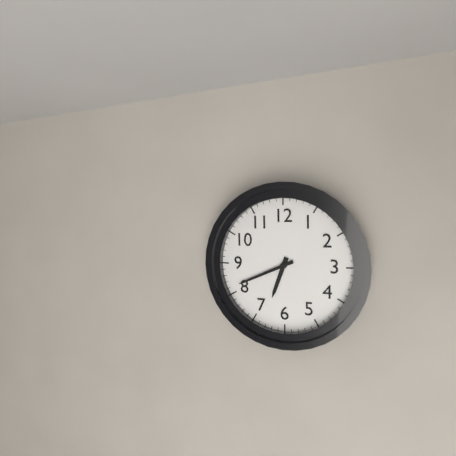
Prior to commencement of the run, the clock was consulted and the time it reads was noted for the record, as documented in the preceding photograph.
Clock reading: 6:41
